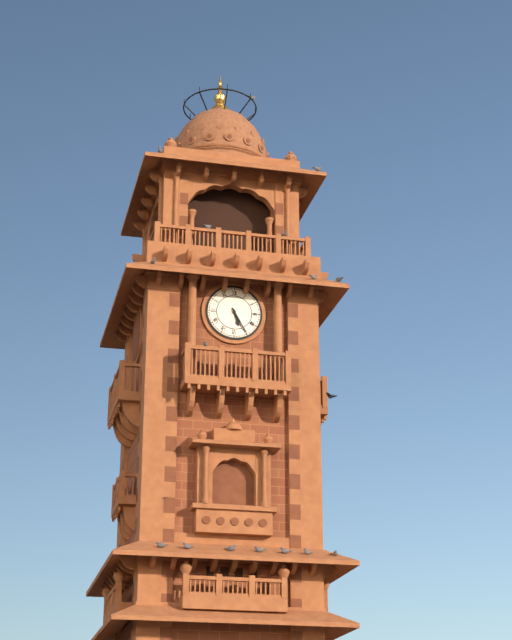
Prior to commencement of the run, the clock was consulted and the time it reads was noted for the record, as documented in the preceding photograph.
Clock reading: 5:25
